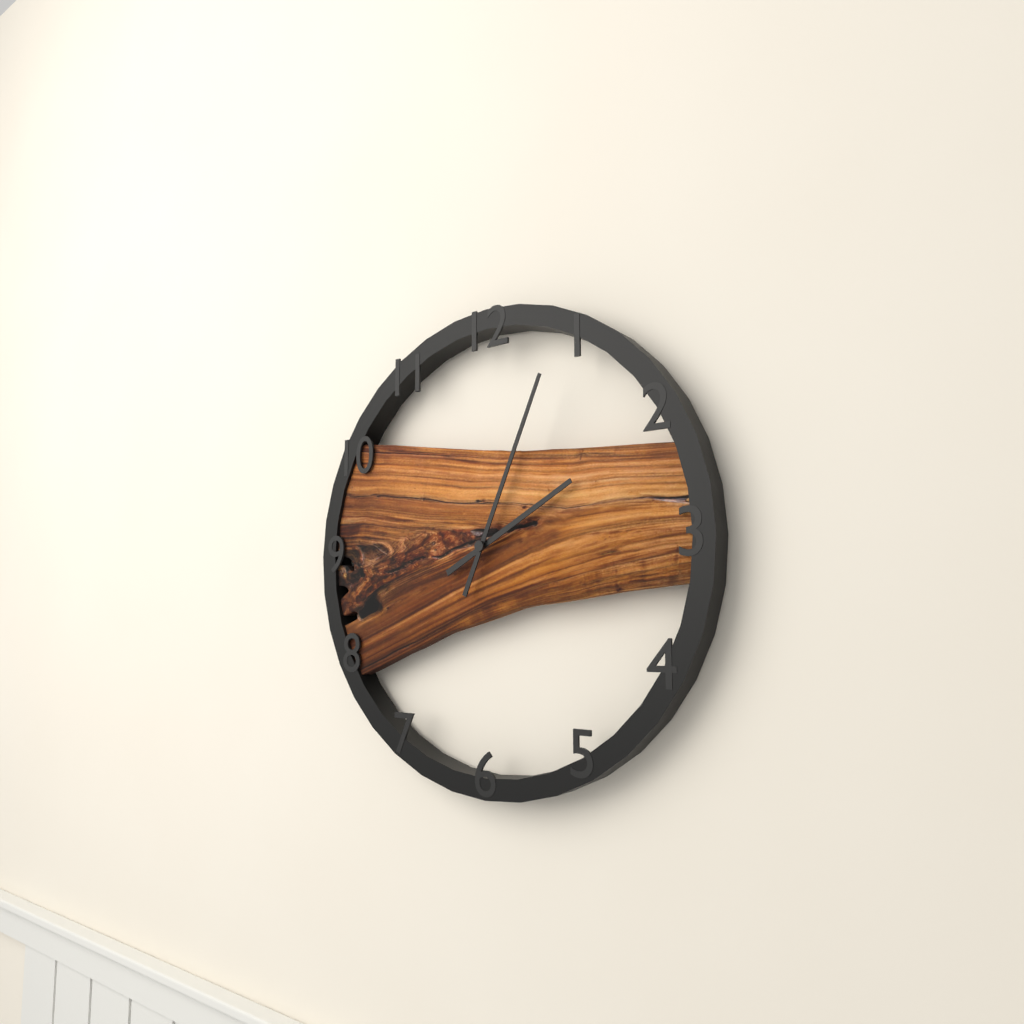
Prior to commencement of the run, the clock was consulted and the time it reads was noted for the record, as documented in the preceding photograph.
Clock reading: 2:04
